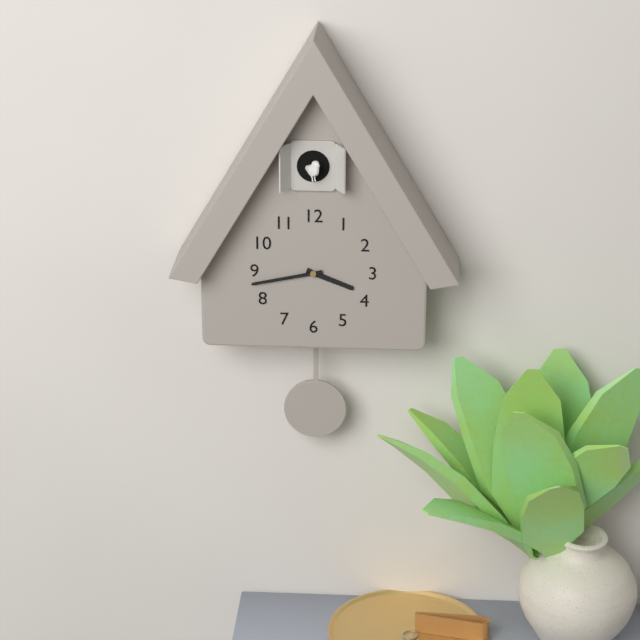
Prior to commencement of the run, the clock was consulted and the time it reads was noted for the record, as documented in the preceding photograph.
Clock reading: 3:43
